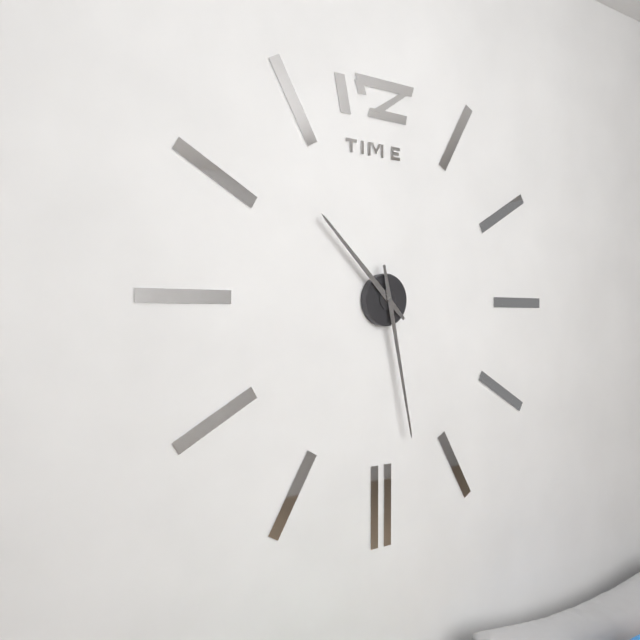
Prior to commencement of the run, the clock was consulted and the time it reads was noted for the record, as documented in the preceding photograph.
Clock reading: 10:28
